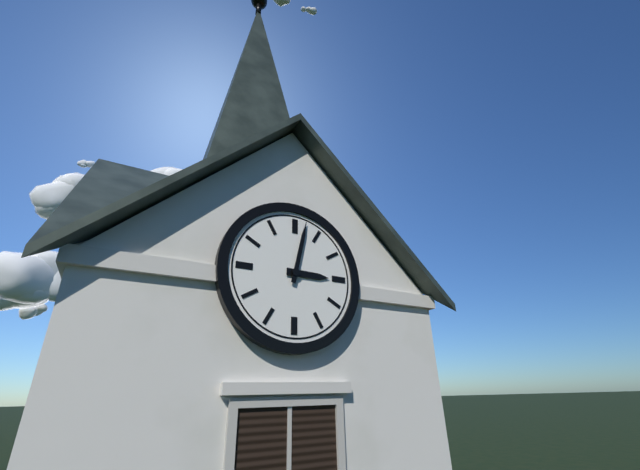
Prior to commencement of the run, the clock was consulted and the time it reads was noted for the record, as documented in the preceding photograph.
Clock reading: 3:02
